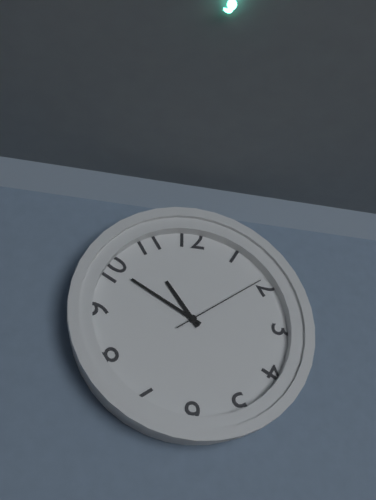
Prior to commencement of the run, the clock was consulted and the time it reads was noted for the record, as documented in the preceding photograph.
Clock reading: 10:50:09
